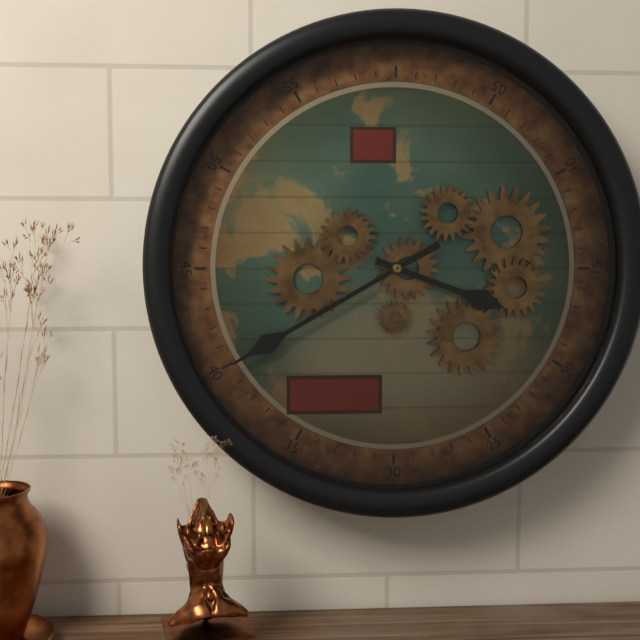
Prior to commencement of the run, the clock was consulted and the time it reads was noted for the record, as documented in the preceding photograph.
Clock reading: 3:40
